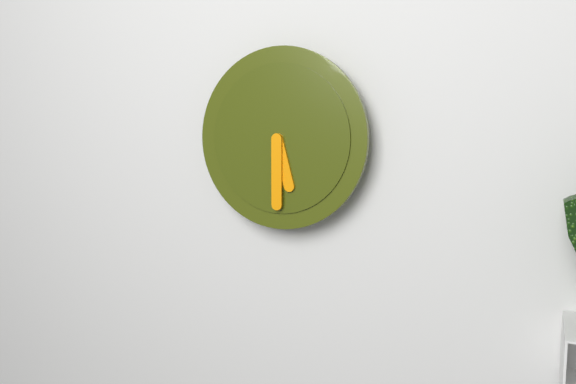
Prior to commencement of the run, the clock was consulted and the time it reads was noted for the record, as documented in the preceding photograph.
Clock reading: 5:30
